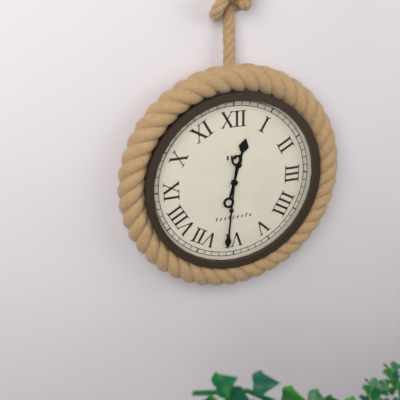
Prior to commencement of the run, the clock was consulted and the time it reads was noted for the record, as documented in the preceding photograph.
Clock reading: 12:31
